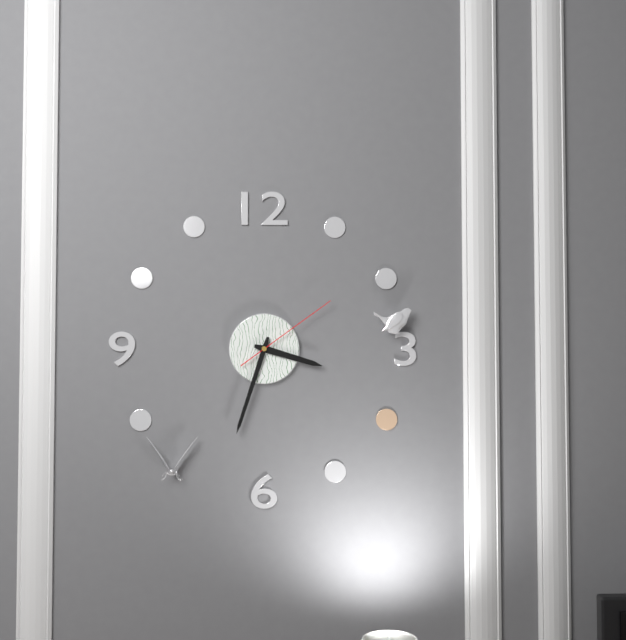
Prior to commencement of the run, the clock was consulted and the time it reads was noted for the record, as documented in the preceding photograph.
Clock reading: 3:33:09
